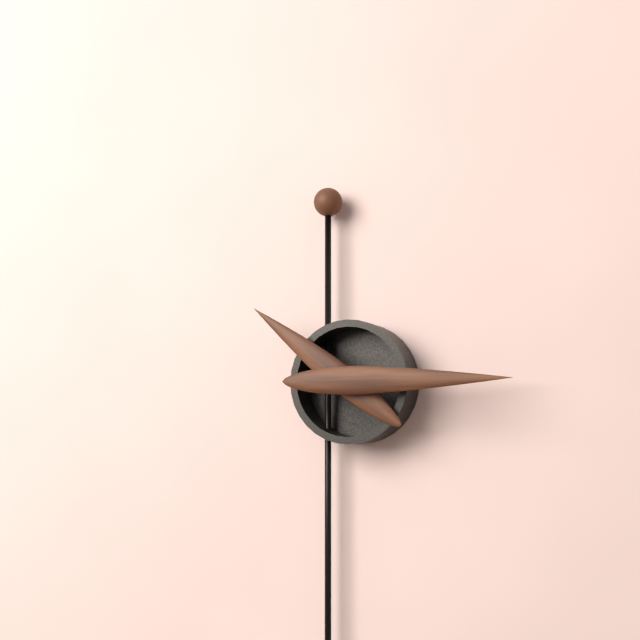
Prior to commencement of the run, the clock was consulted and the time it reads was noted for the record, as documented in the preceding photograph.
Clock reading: 10:15
